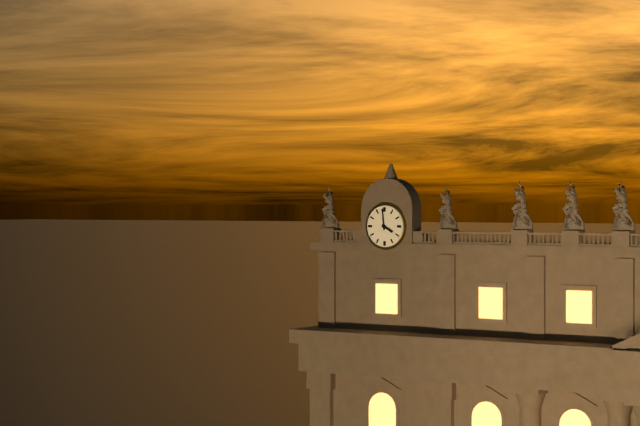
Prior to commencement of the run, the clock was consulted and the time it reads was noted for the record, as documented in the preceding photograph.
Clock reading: 3:59
